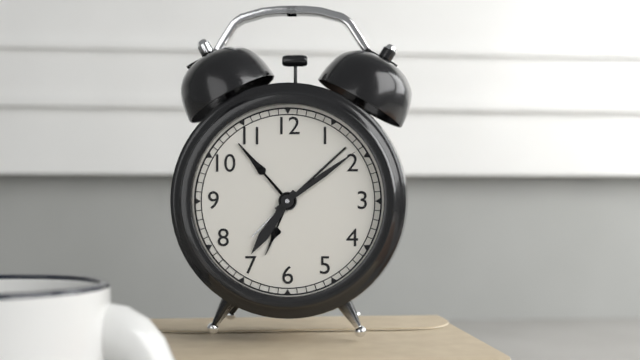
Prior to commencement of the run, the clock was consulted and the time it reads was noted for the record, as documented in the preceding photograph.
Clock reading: 7:09
